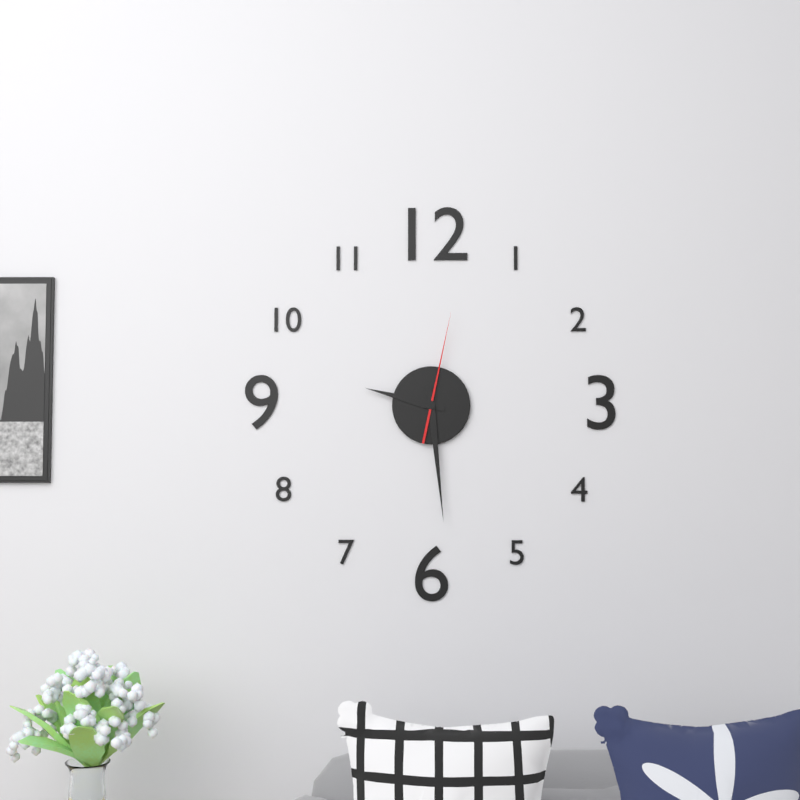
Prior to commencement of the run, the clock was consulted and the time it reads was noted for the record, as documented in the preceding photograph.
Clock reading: 9:29:02
